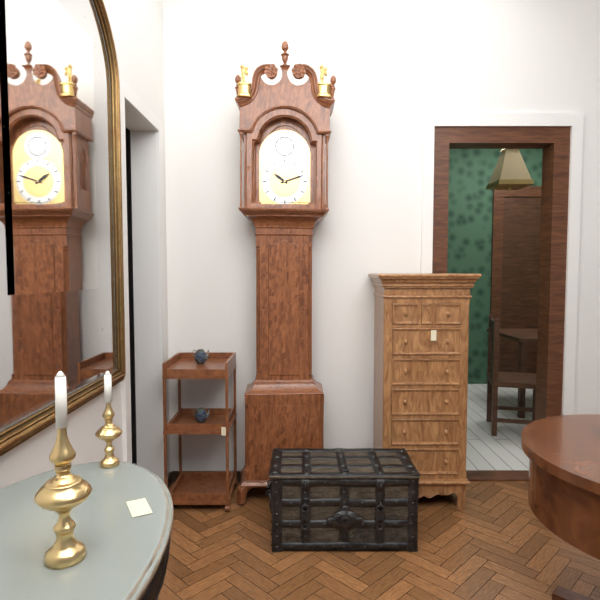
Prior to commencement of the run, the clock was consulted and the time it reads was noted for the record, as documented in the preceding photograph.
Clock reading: 10:12
